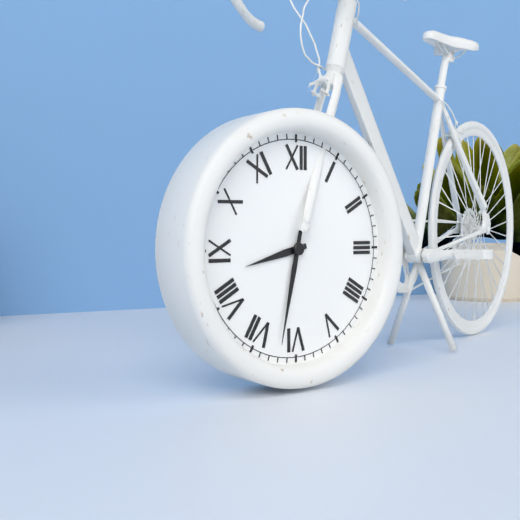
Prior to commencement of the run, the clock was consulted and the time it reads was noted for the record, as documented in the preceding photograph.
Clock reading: 8:32
